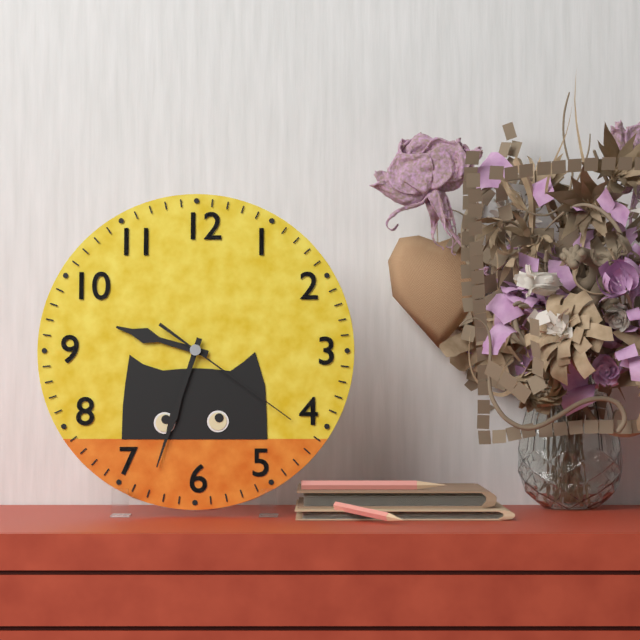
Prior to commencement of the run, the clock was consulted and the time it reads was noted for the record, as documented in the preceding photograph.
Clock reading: 9:33:21
